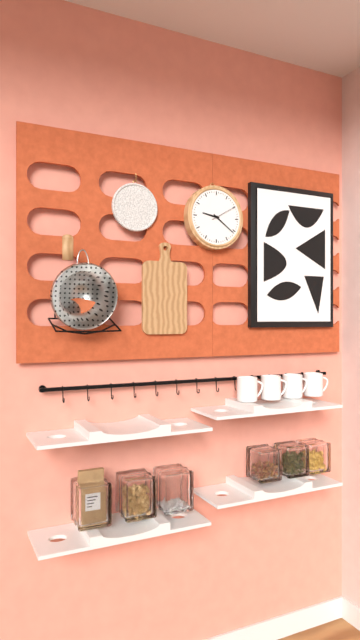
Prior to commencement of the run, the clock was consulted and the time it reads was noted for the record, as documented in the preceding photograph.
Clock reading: 9:21
